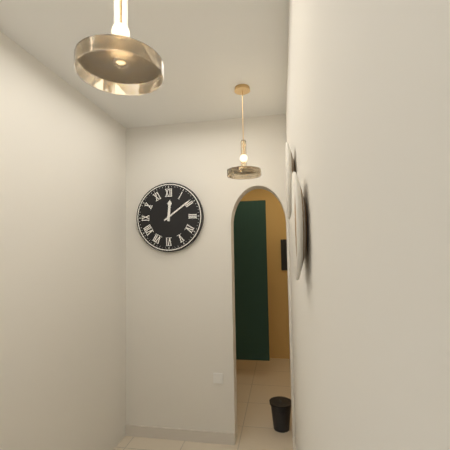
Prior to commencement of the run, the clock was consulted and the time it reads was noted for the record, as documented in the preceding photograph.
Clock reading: 12:09
